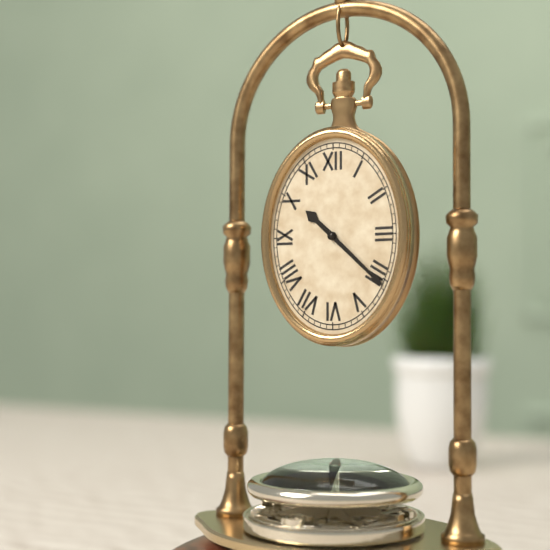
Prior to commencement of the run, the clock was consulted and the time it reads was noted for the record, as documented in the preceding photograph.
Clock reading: 10:22
